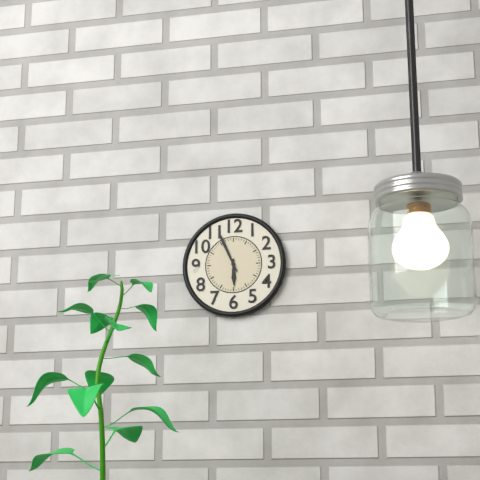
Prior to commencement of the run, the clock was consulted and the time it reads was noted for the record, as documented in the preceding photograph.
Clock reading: 5:56
